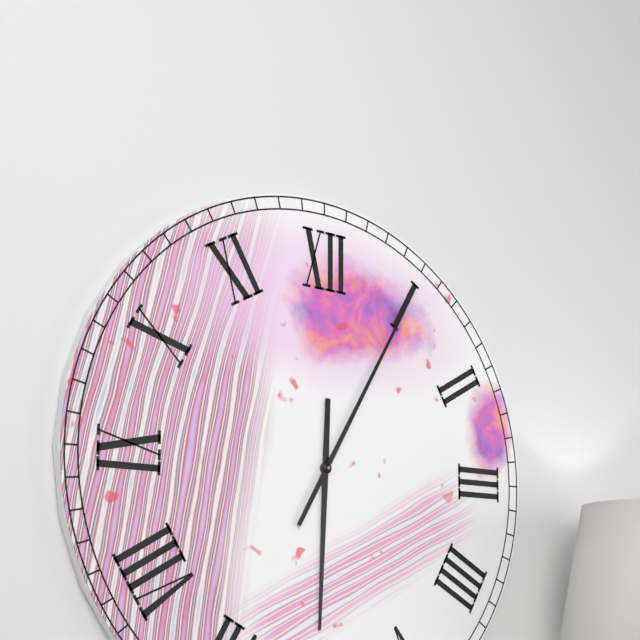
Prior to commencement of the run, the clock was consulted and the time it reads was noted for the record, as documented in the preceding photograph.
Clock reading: 6:05
